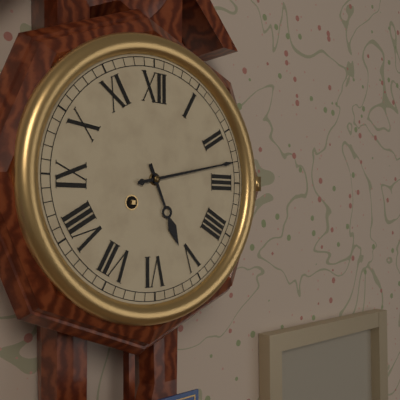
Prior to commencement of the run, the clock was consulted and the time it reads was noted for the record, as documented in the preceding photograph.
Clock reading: 5:13
